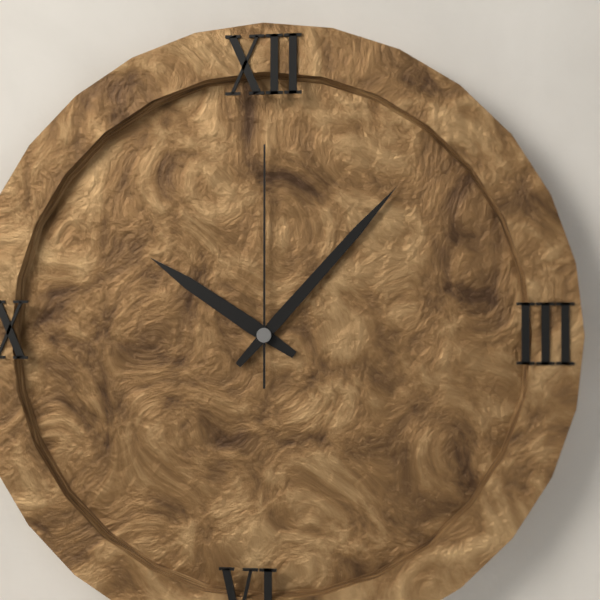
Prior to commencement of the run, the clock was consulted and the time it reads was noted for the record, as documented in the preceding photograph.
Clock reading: 10:07:00
